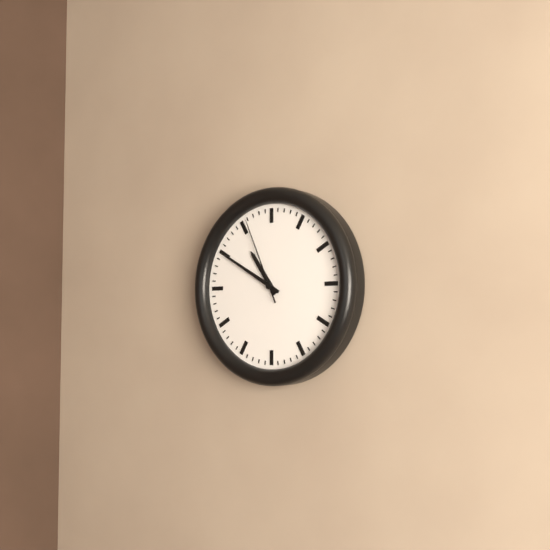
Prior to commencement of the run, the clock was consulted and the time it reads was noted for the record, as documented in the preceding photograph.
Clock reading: 10:50:56
